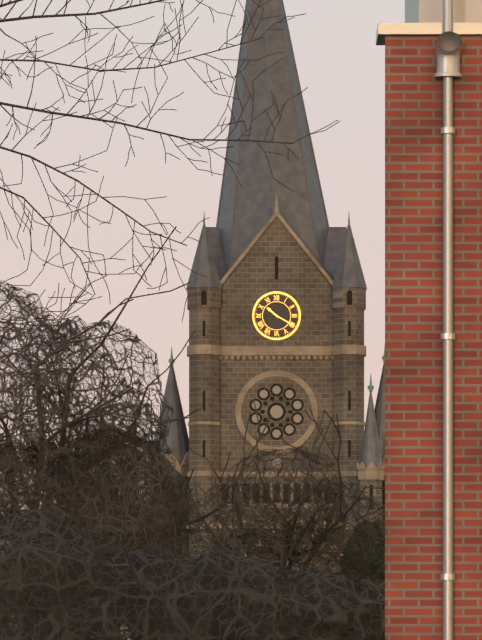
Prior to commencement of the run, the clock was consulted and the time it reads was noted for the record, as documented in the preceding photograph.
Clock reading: 10:20
